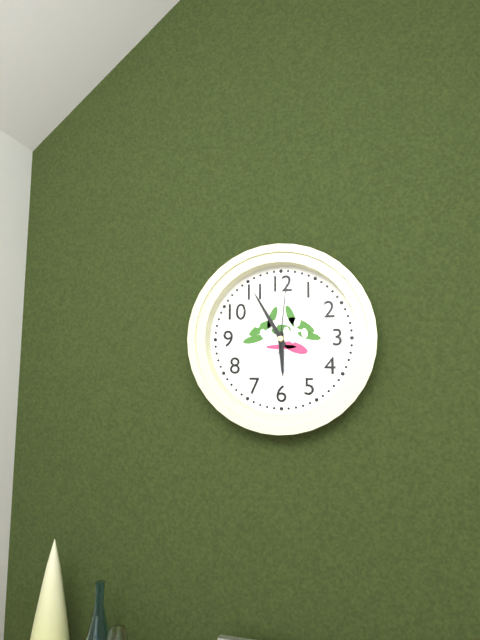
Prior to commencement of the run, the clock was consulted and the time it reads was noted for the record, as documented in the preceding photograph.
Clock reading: 5:55:01
